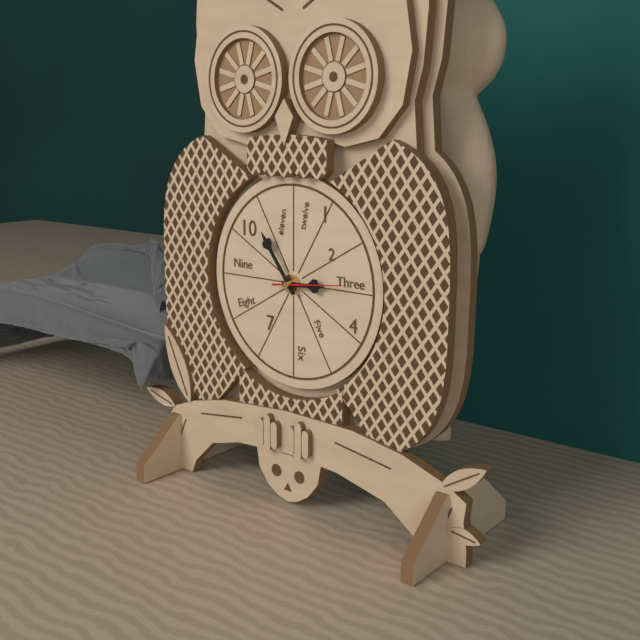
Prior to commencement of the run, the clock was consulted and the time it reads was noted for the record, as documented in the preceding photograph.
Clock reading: 2:54:14
